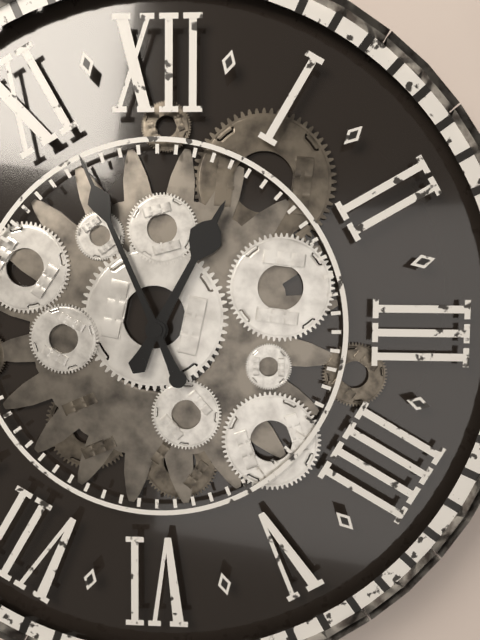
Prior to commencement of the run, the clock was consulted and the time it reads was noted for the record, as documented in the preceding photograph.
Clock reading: 12:56
